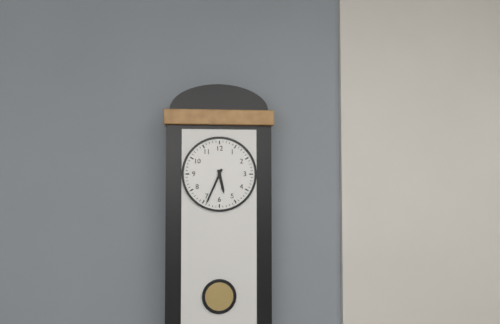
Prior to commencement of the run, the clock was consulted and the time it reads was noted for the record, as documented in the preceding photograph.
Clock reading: 5:34
